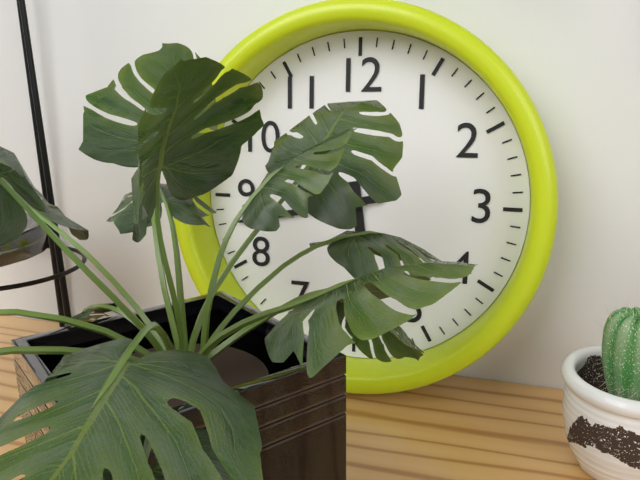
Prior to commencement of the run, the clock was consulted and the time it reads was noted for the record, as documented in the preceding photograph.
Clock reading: 5:43
